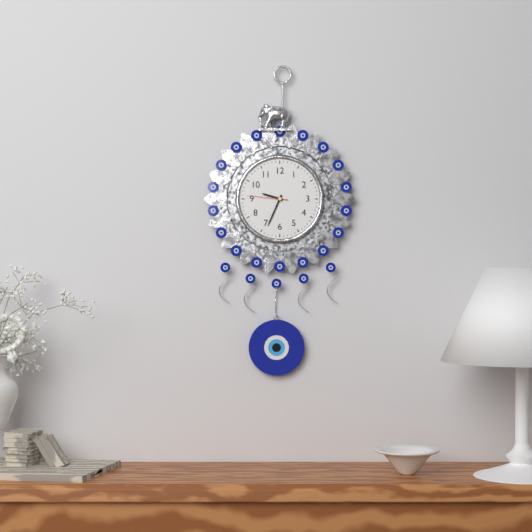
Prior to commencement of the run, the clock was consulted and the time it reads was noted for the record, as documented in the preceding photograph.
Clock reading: 9:34
